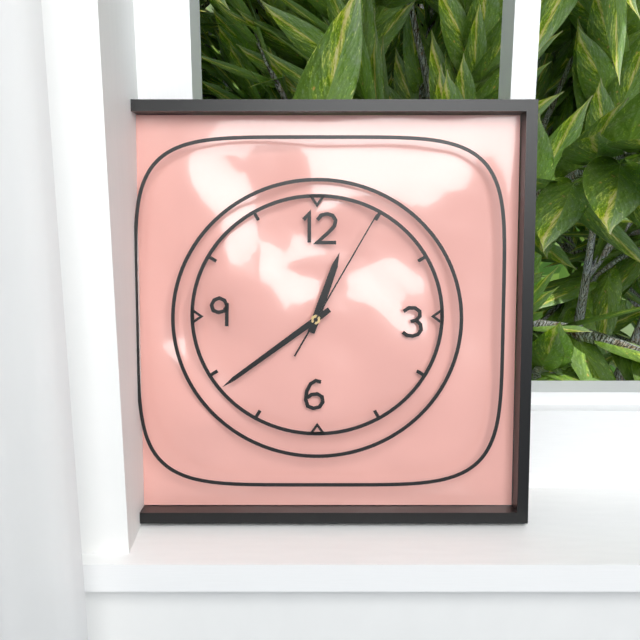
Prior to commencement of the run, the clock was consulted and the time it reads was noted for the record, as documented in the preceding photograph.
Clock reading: 12:39:05
